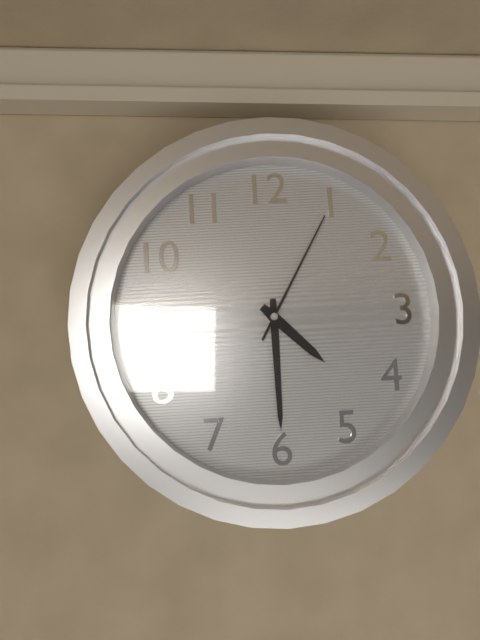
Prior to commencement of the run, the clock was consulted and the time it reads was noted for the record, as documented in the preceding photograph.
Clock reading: 4:30:05
